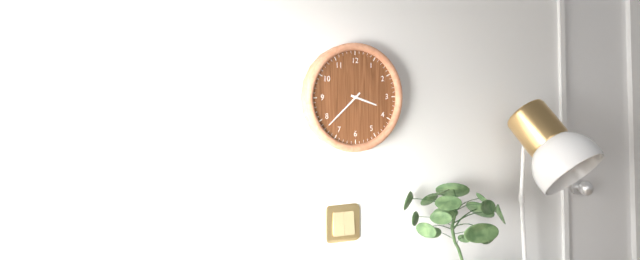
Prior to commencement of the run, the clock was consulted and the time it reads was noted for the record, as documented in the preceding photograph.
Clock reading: 3:38
